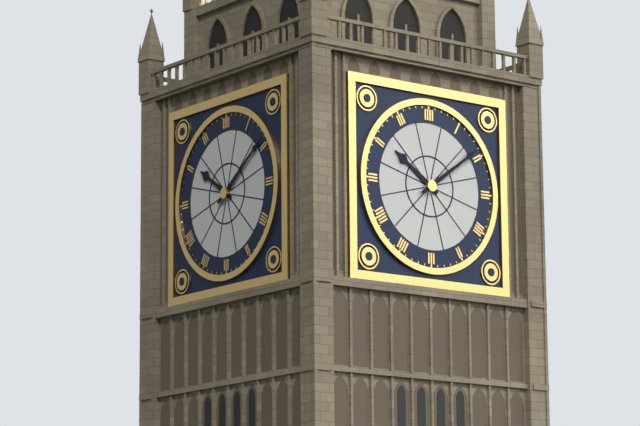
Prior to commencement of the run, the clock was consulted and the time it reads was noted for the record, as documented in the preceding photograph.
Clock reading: 10:09
